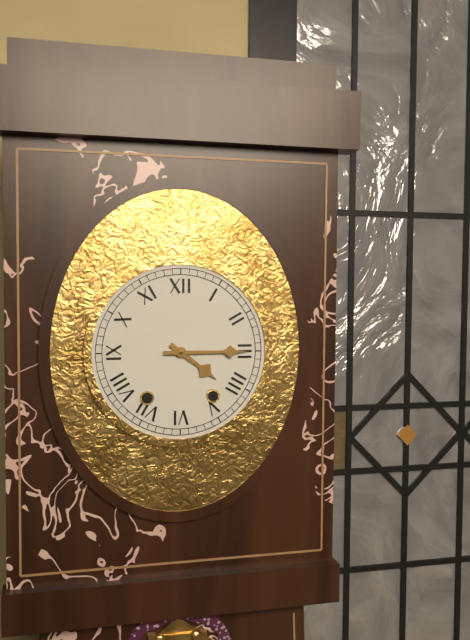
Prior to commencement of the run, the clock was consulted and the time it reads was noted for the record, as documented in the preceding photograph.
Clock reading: 4:15
